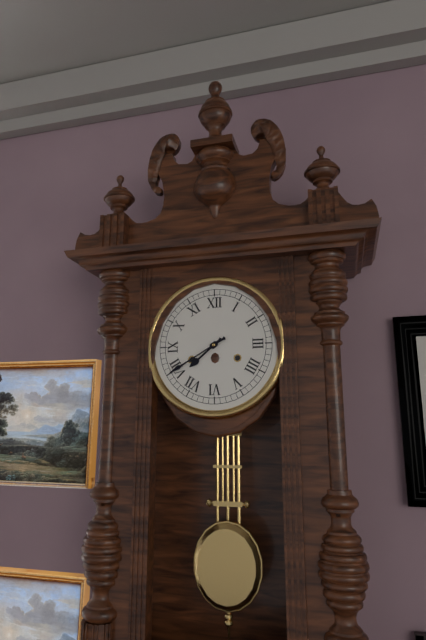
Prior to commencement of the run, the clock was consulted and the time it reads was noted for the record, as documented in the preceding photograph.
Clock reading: 7:40
